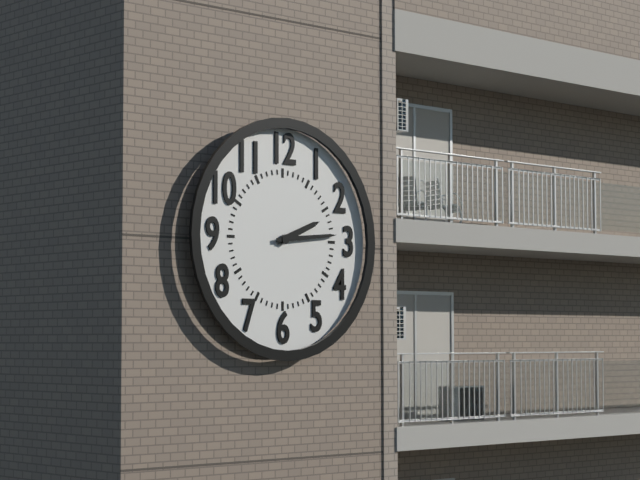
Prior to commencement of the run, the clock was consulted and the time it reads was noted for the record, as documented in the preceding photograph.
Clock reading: 2:14
